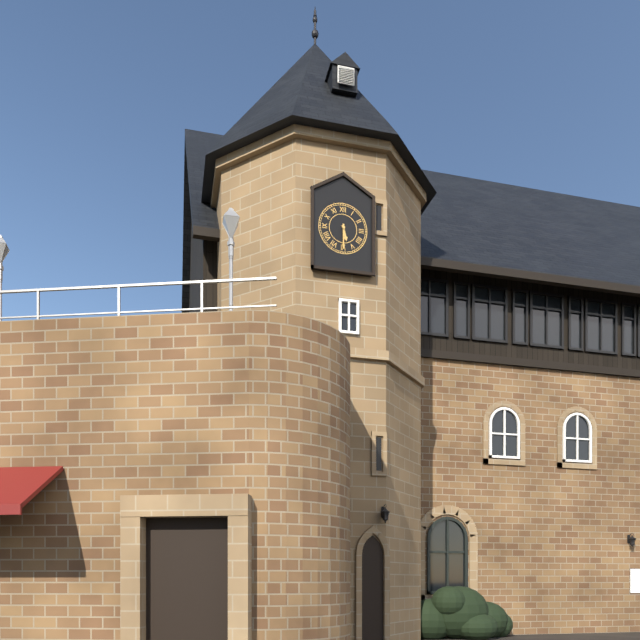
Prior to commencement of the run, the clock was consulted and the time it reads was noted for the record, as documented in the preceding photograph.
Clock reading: 5:30
